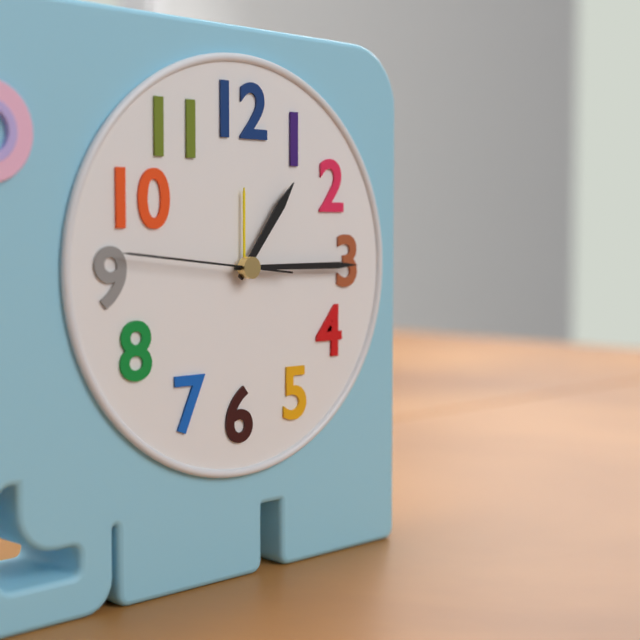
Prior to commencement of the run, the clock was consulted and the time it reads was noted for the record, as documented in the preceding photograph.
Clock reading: 1:15:46
